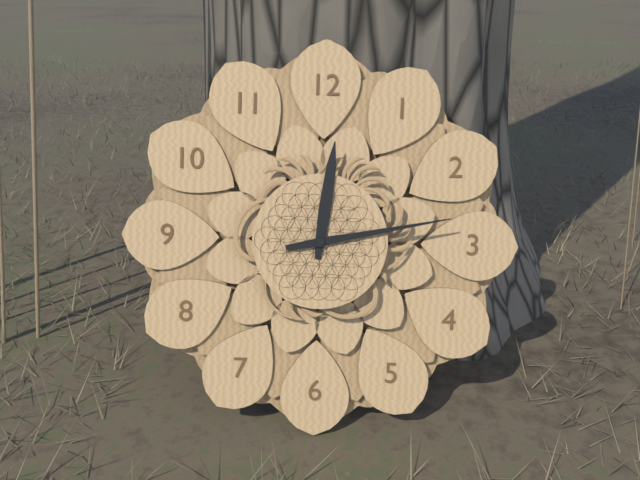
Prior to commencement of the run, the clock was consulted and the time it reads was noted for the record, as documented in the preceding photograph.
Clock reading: 12:13
